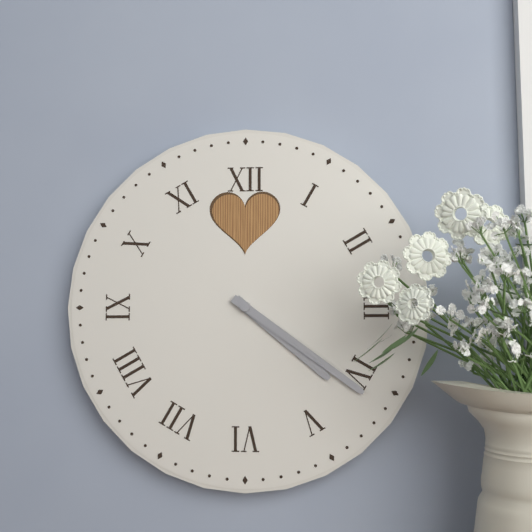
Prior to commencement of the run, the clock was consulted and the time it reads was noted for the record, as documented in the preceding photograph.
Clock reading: 4:21
